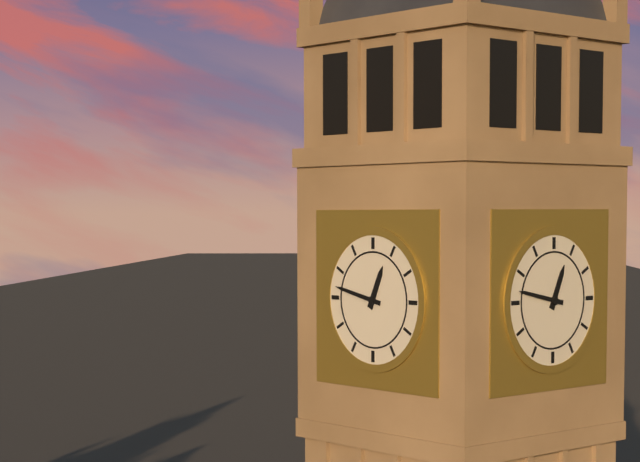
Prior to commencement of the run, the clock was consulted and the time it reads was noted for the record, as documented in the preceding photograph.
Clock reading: 12:47
